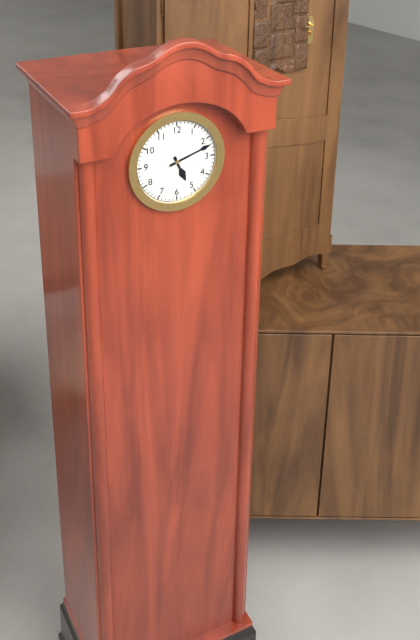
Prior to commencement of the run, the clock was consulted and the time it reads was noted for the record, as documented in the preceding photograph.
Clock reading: 5:12
